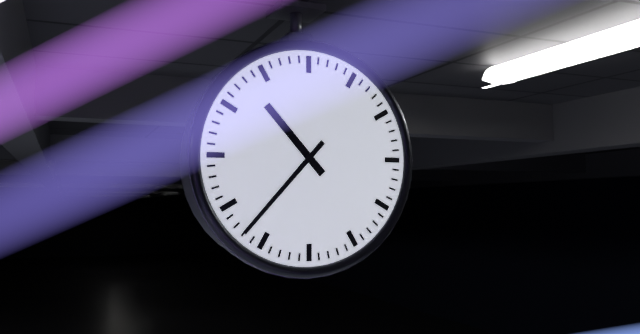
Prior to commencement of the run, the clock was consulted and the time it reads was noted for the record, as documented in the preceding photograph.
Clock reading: 10:37
